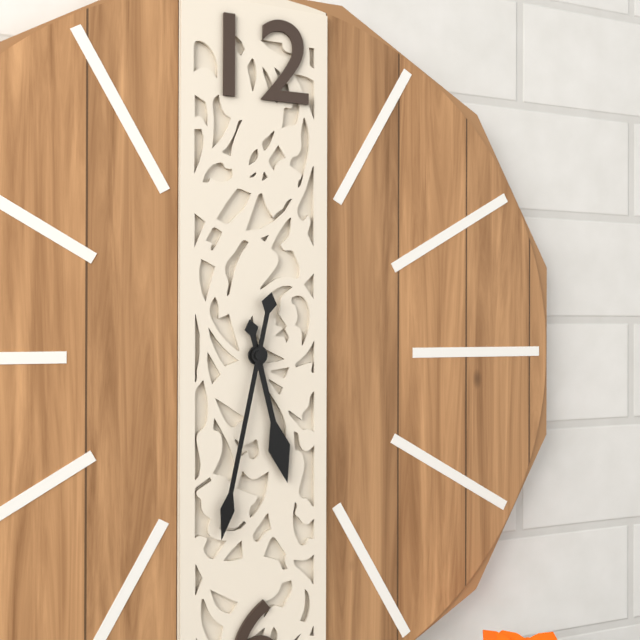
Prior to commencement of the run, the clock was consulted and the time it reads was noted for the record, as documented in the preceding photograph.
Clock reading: 5:32
